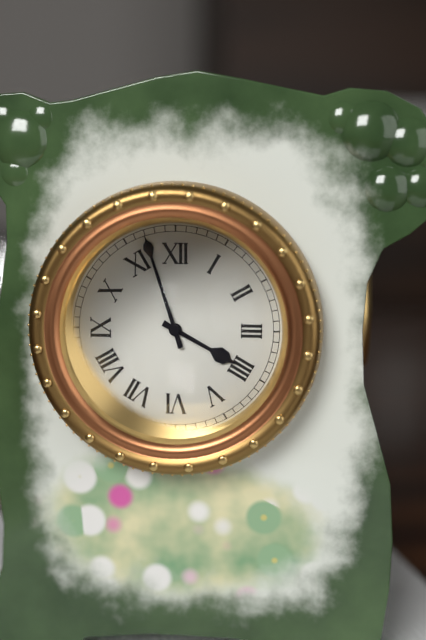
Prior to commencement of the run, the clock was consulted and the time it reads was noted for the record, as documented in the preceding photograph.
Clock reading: 3:57
